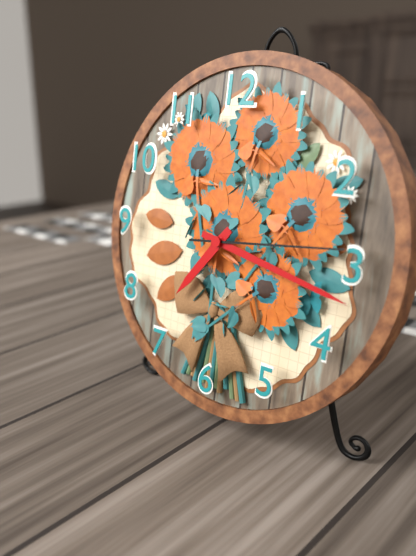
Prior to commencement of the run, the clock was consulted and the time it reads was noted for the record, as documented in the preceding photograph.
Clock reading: 7:17:14
